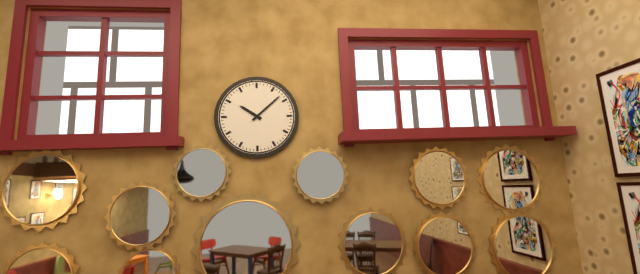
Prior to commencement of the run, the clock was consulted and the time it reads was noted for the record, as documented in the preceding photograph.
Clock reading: 10:08
